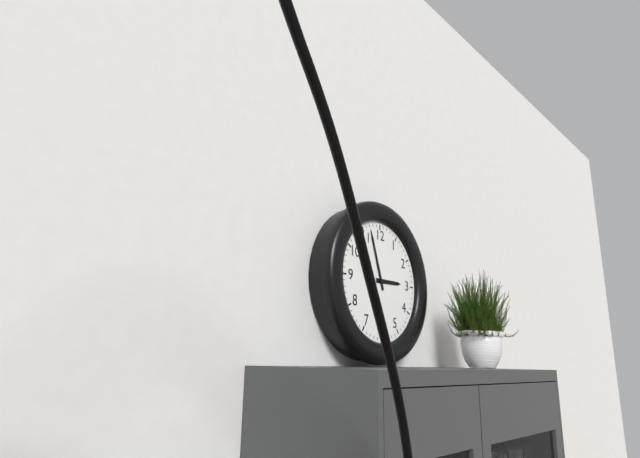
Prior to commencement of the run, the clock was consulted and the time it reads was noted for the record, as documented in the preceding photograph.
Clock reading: 2:57
